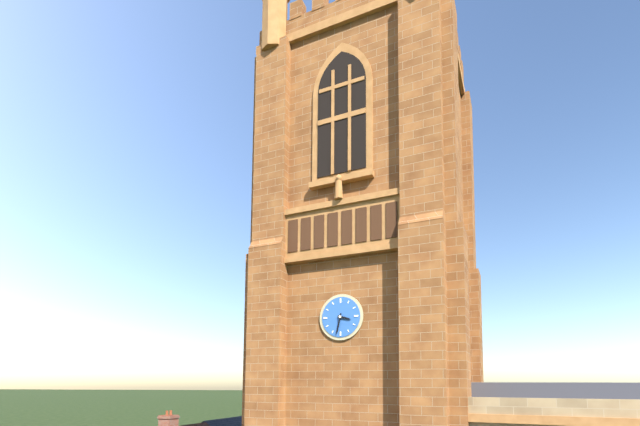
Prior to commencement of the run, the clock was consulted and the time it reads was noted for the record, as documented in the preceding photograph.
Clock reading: 3:32
